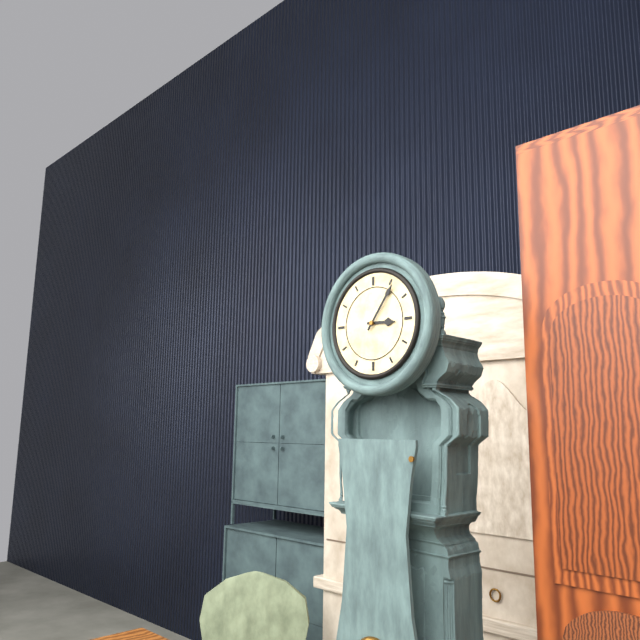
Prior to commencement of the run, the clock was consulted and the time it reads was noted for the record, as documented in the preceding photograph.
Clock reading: 3:06
